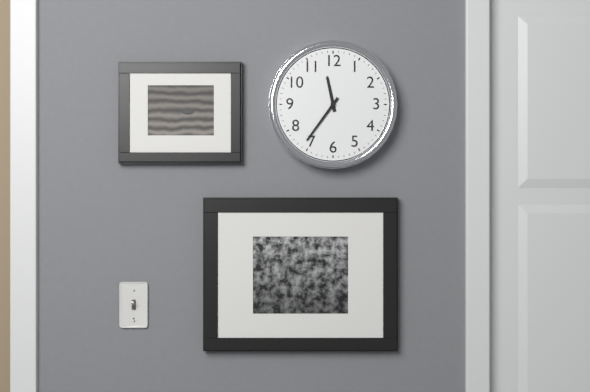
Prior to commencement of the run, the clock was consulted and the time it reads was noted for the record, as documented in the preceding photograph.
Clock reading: 11:36
